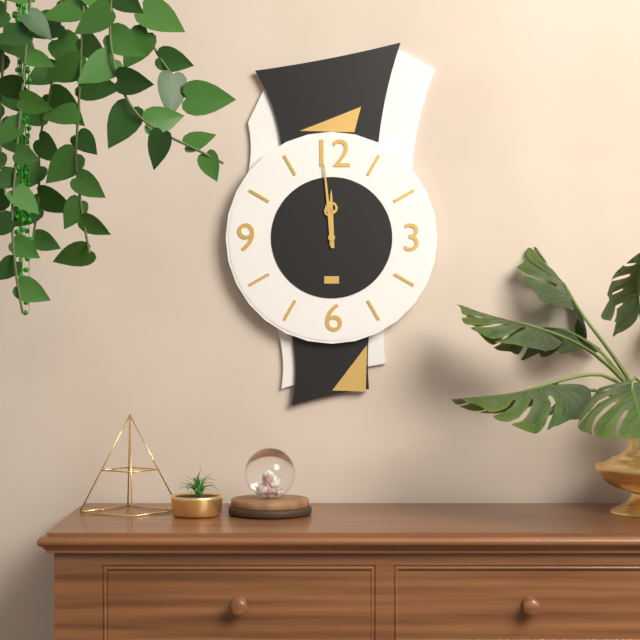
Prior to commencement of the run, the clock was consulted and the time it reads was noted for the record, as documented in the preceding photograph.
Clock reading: 11:59
